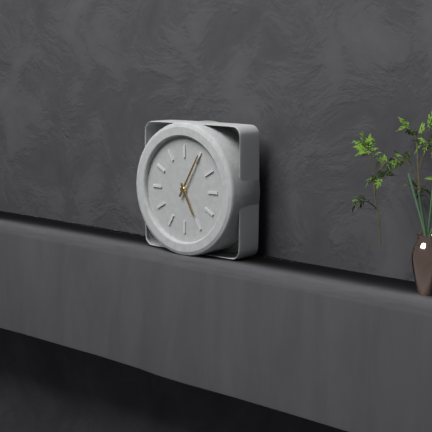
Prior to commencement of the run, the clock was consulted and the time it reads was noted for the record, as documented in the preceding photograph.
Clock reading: 5:05
